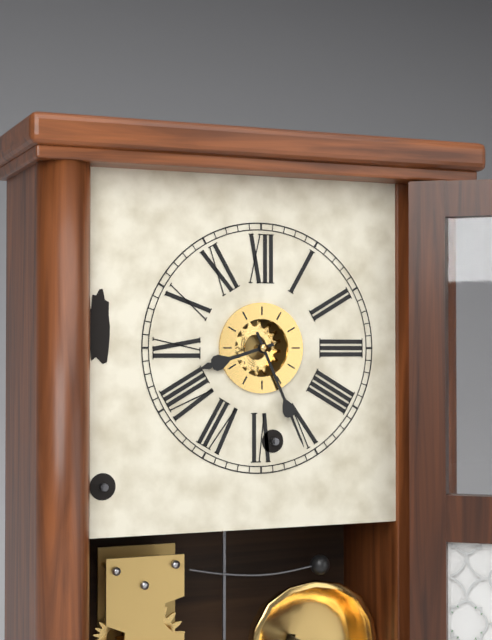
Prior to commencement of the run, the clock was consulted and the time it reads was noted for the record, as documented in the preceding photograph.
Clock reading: 8:26
